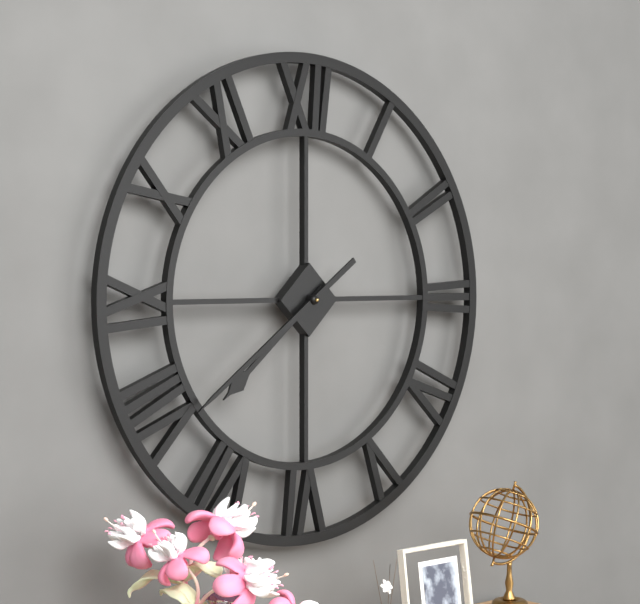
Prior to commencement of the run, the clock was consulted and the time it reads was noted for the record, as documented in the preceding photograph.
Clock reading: 7:39
